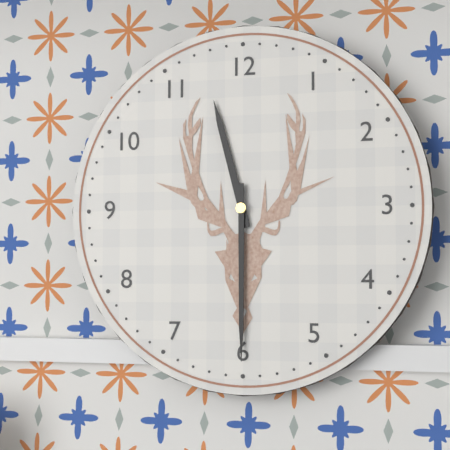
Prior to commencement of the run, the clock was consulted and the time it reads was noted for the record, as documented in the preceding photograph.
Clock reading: 11:30
